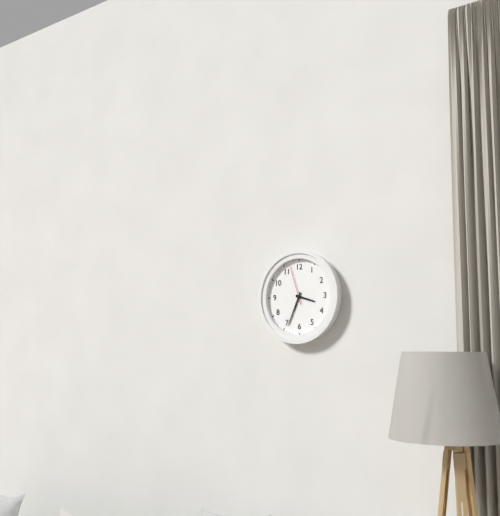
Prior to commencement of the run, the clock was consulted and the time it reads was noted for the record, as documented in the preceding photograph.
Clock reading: 3:34
